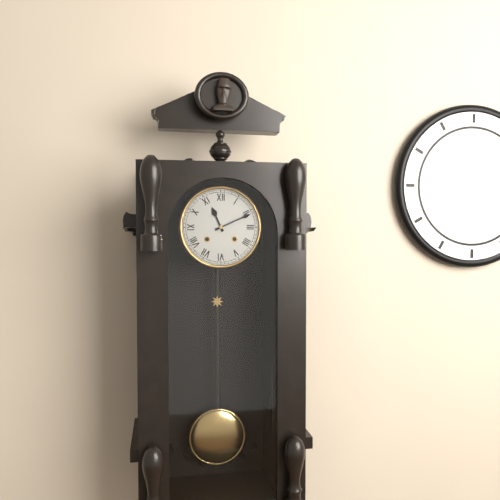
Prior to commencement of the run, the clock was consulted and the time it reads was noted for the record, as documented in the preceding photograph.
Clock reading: 11:11
